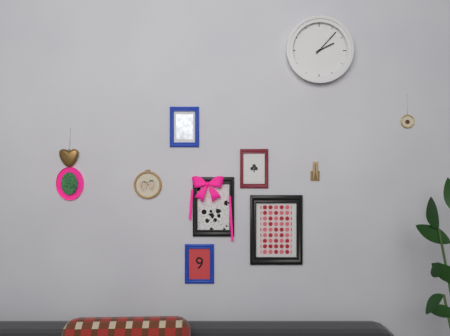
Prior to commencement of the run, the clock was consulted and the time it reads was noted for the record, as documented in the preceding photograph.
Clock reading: 2:07
